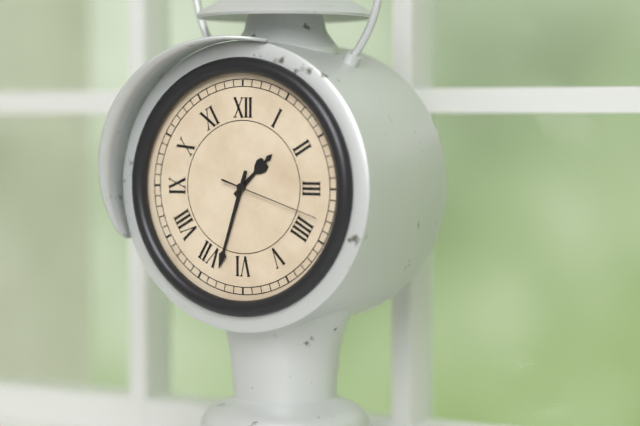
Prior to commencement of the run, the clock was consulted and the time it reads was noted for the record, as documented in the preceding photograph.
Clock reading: 1:33:18
